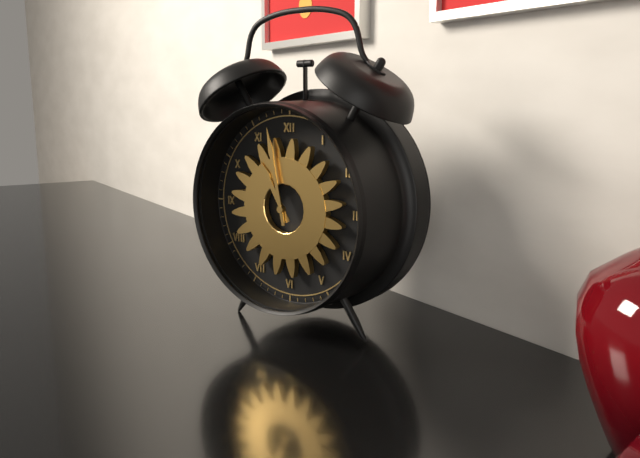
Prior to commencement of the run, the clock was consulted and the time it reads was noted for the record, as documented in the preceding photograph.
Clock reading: 10:58
